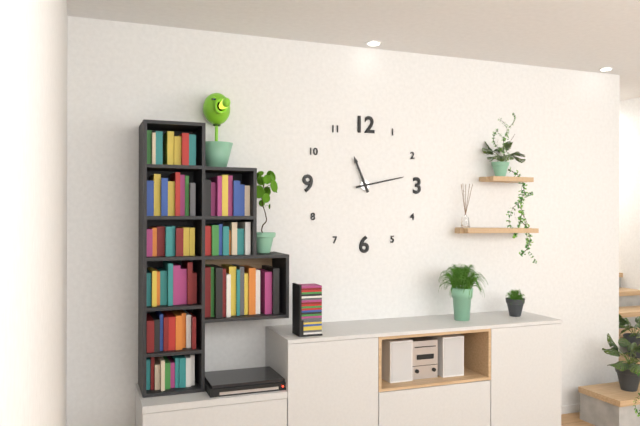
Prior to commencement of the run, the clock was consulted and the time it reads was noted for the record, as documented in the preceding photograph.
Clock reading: 11:13
